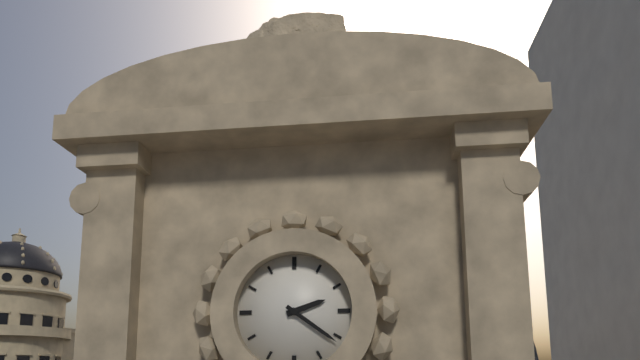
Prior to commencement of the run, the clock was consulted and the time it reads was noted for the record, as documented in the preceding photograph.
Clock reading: 2:21
